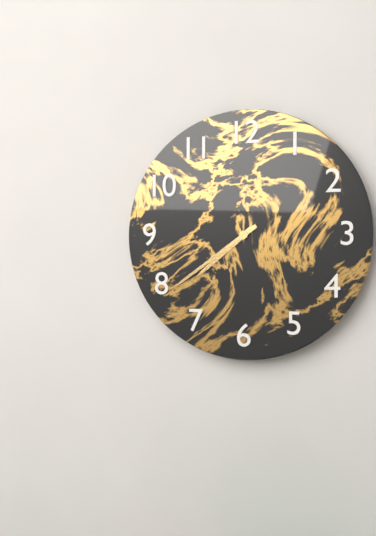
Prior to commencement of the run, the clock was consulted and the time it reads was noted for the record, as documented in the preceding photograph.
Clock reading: 7:39
